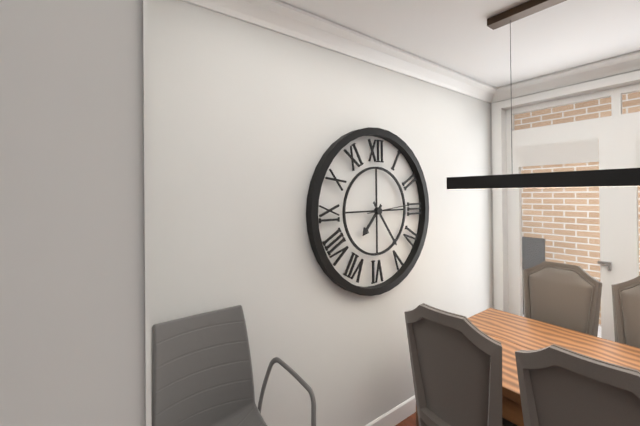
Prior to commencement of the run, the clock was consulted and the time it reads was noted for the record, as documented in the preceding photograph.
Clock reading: 7:24
